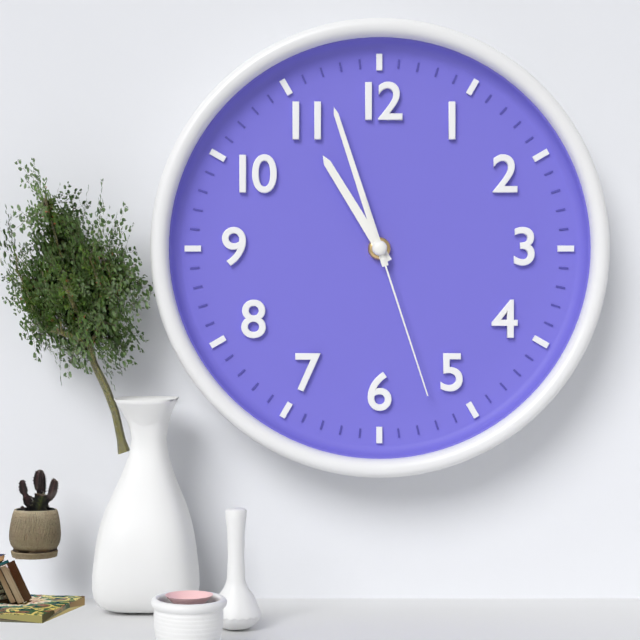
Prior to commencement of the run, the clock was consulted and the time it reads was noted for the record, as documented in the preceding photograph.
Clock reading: 10:57:27
